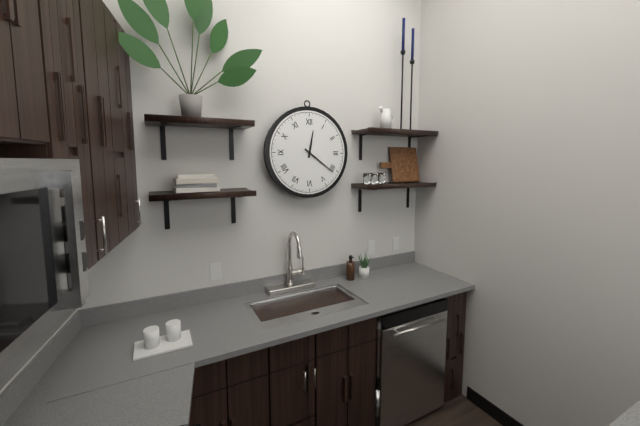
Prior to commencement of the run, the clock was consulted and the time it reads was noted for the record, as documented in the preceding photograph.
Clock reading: 12:21
